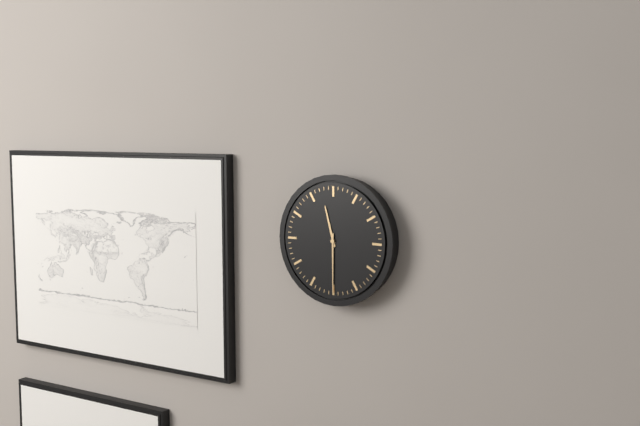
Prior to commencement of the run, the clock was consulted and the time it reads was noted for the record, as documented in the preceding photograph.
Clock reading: 11:30
